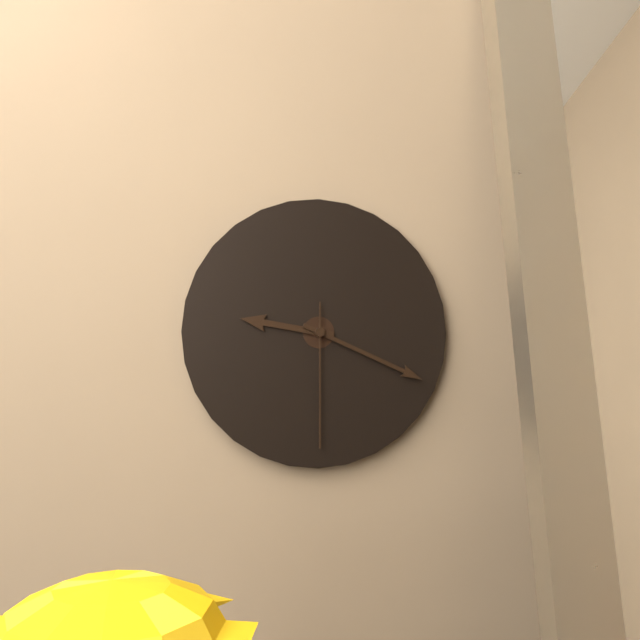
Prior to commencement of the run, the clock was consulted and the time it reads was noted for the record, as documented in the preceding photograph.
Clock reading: 9:19:30
